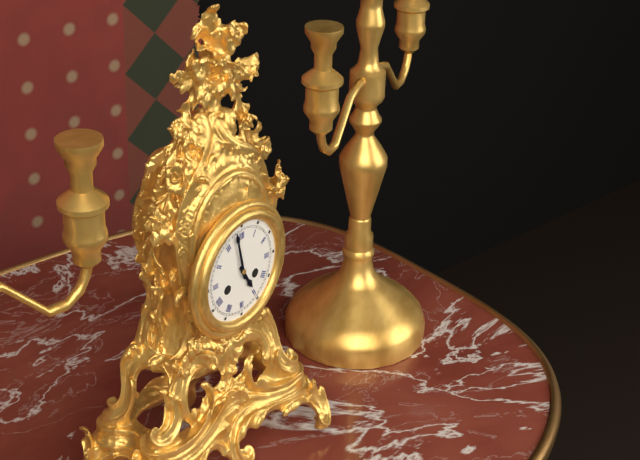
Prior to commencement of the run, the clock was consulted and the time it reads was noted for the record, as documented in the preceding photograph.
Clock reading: 4:58
